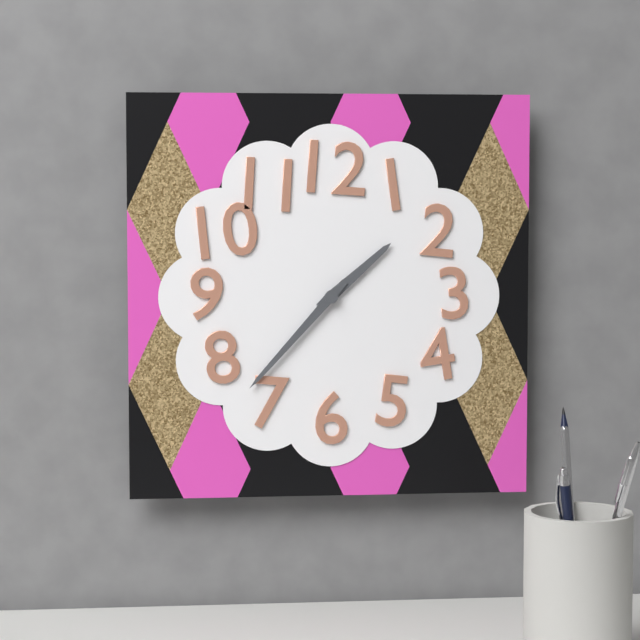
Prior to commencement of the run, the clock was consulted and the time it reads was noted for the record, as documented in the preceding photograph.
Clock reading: 1:37
